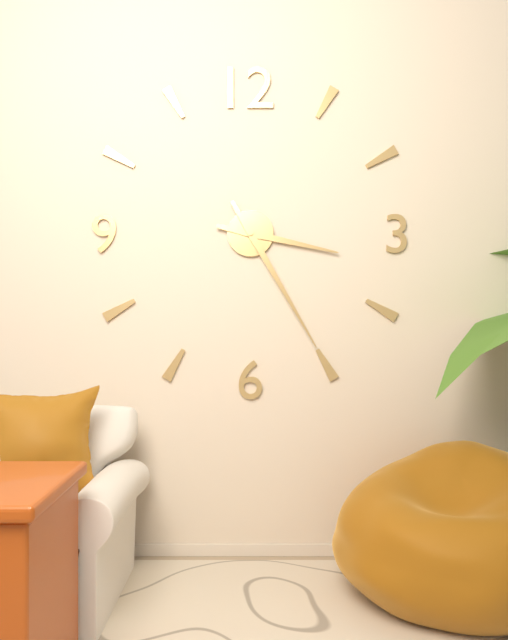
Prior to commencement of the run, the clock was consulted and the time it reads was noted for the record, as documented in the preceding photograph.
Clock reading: 3:25
